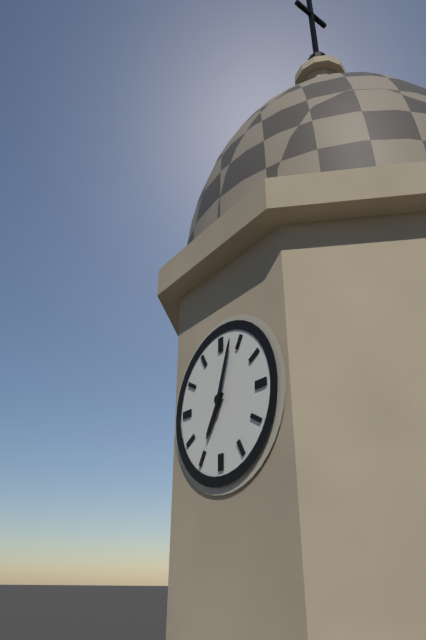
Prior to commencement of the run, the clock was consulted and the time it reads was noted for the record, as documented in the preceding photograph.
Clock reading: 7:03
